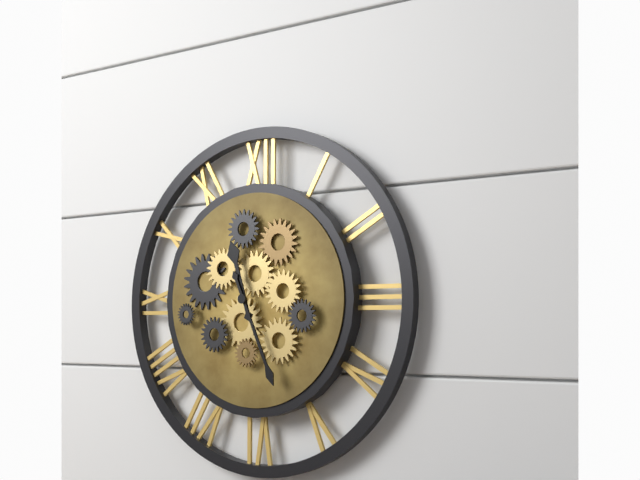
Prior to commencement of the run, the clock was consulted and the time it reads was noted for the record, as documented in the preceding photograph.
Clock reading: 11:26
